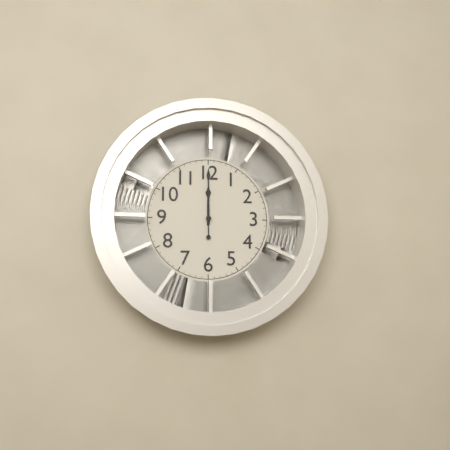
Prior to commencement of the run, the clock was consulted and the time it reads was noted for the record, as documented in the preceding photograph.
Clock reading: 12:00
